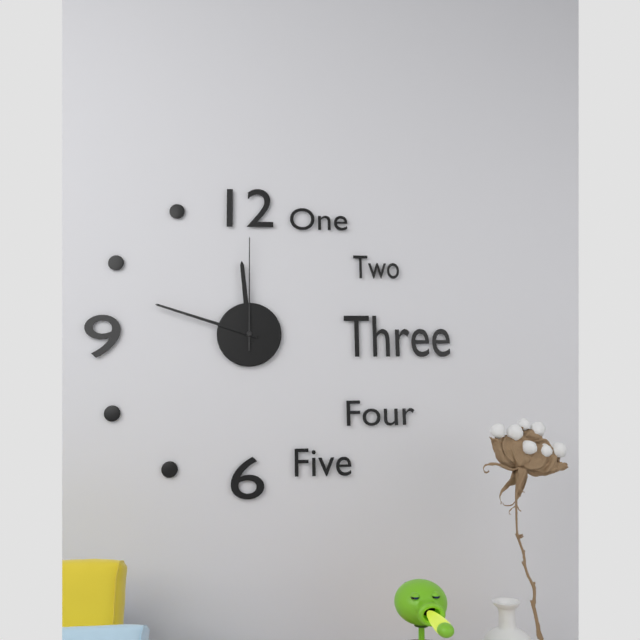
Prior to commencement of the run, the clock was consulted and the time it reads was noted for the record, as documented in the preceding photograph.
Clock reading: 11:48:00
